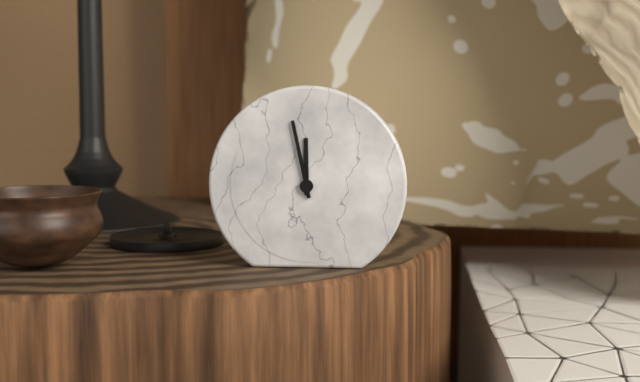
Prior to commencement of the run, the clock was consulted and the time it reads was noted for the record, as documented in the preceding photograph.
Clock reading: 11:58
